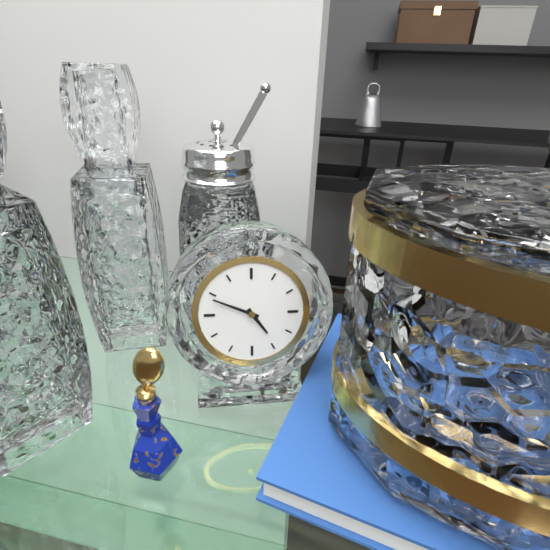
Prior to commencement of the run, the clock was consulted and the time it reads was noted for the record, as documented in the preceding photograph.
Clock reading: 4:49
